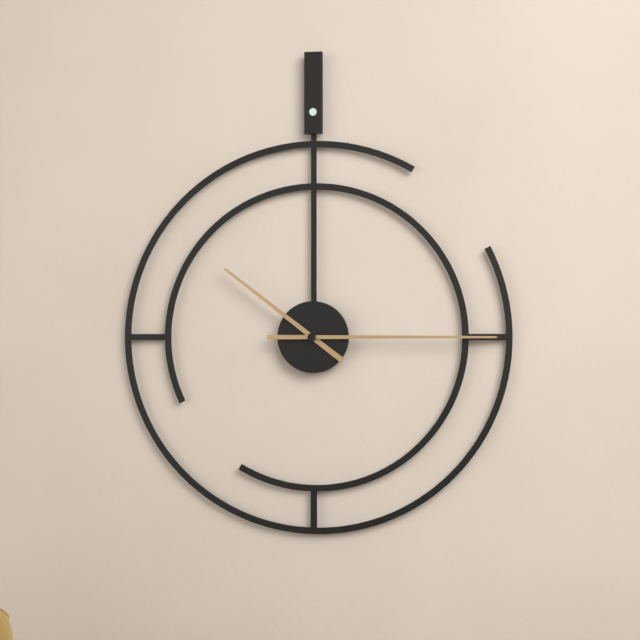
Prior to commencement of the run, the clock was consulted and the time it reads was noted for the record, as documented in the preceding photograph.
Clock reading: 10:15
